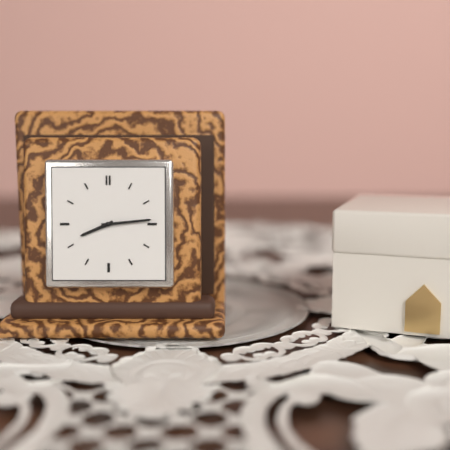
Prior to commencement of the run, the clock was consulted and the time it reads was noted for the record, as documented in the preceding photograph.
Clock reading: 8:14
